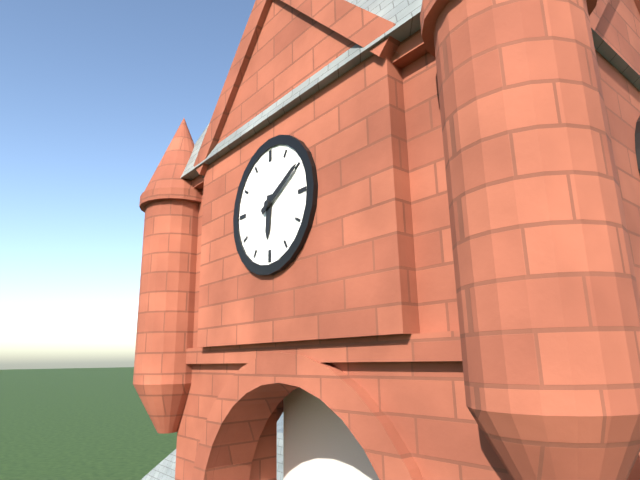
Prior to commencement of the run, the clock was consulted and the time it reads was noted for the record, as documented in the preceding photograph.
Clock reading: 6:10
